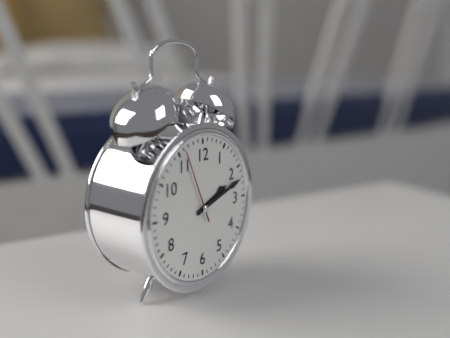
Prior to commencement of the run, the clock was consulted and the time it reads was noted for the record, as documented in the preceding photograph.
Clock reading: 2:12:56
